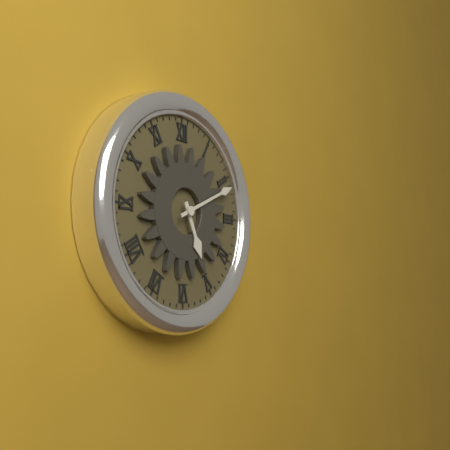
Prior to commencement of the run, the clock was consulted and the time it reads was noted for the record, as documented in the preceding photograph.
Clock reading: 5:11
